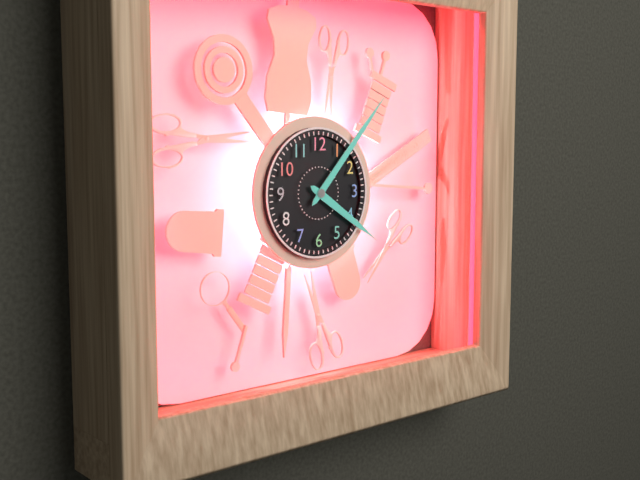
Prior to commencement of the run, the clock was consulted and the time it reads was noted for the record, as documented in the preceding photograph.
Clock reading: 4:07
